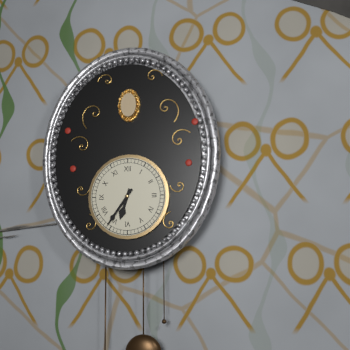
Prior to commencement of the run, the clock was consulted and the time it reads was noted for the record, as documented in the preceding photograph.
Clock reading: 6:36
